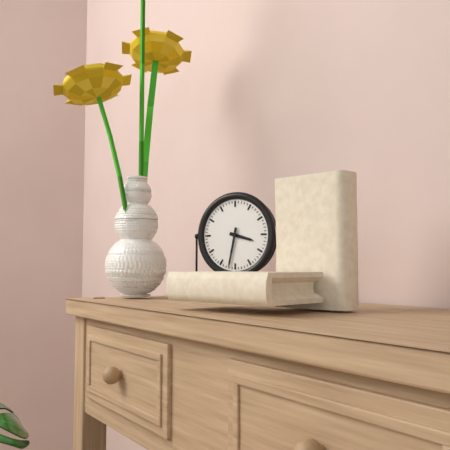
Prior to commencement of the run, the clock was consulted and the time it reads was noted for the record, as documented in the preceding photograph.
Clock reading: 3:32
